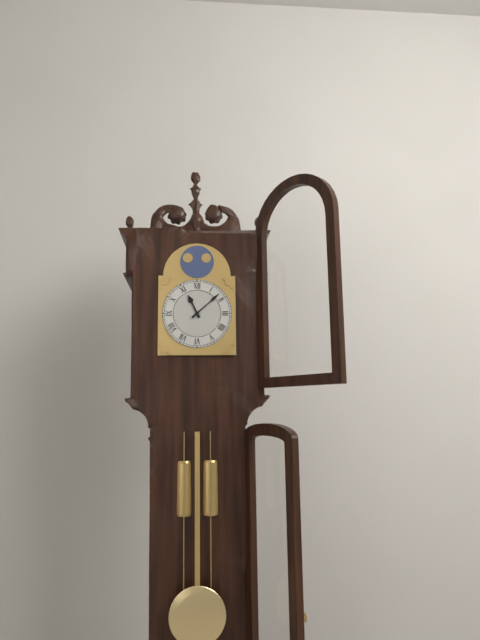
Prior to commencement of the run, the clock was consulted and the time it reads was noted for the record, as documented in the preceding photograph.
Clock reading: 11:08
